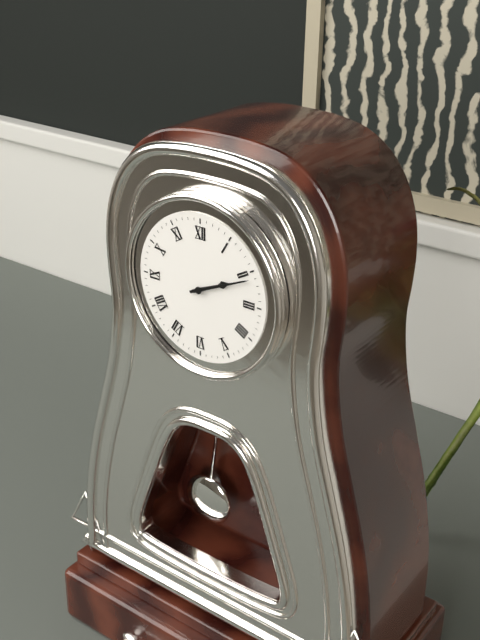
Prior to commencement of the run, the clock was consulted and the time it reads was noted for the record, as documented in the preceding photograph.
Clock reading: 2:11
